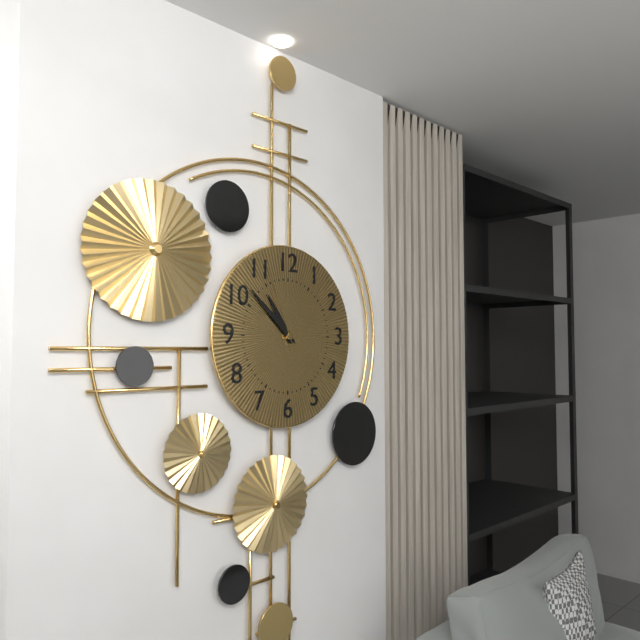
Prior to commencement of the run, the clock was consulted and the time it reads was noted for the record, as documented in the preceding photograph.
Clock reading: 10:52:56
